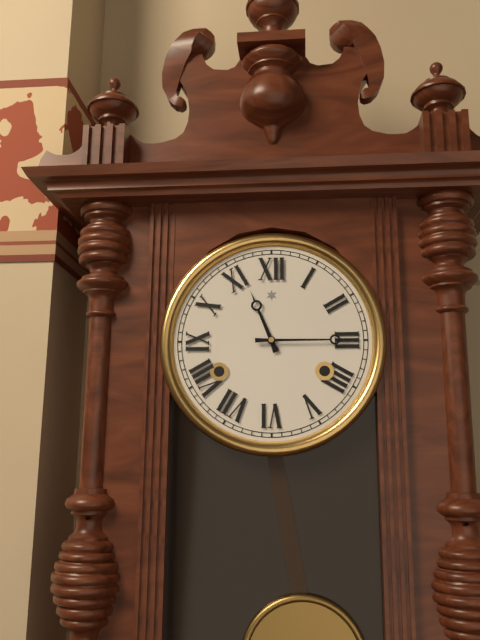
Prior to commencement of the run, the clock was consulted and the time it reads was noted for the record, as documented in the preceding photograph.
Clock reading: 11:15
